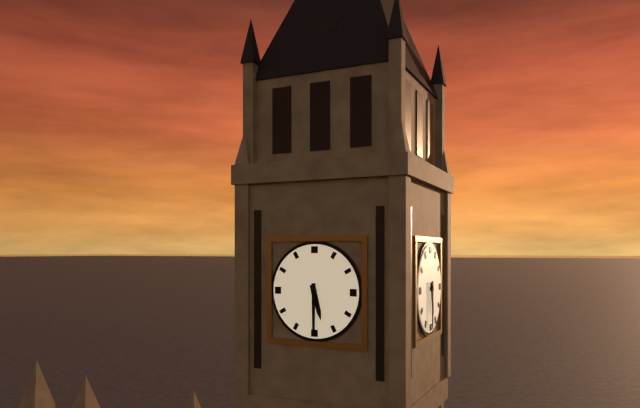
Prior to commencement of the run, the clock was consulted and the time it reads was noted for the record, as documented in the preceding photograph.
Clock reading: 5:30
